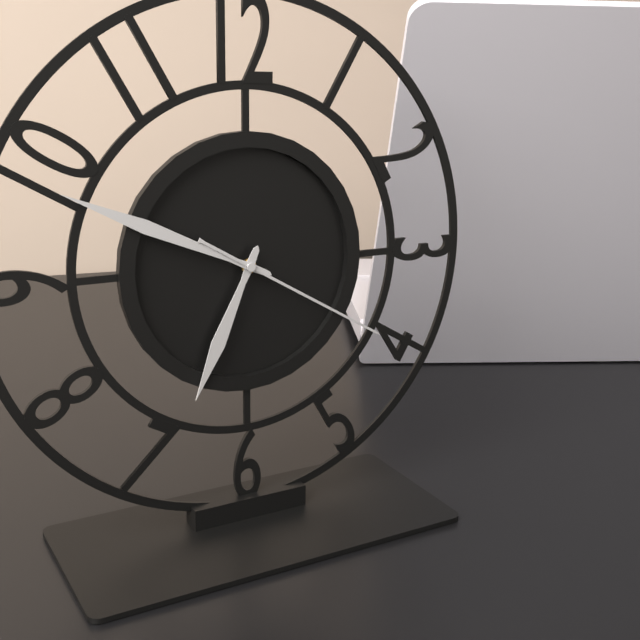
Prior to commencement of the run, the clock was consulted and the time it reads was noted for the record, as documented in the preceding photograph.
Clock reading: 6:49:20
